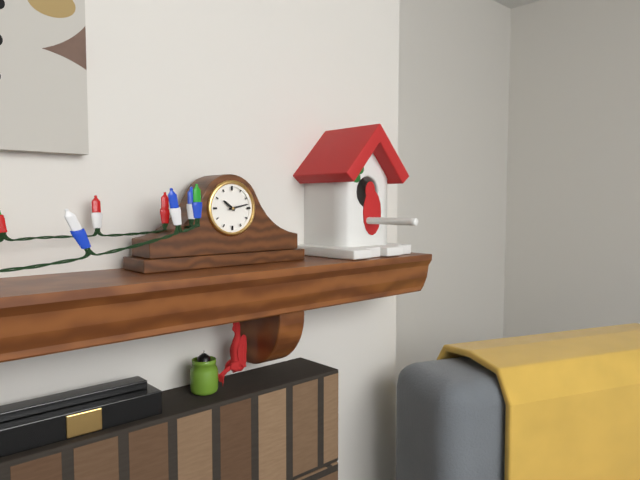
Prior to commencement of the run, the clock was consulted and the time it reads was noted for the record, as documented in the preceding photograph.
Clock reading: 10:13
